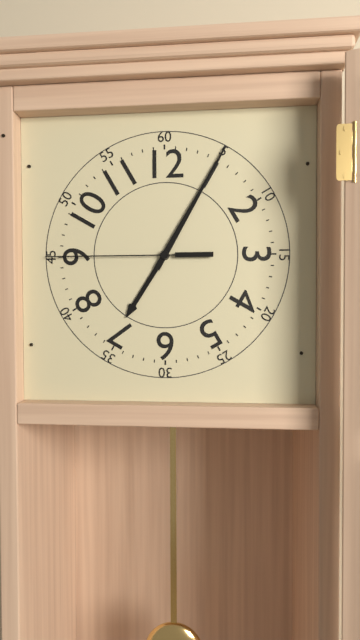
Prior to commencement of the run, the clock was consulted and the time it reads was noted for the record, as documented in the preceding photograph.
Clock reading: 7:05:45
